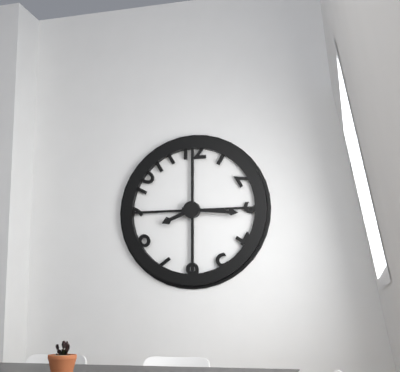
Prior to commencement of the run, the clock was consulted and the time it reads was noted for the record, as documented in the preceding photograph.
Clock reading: 8:16
